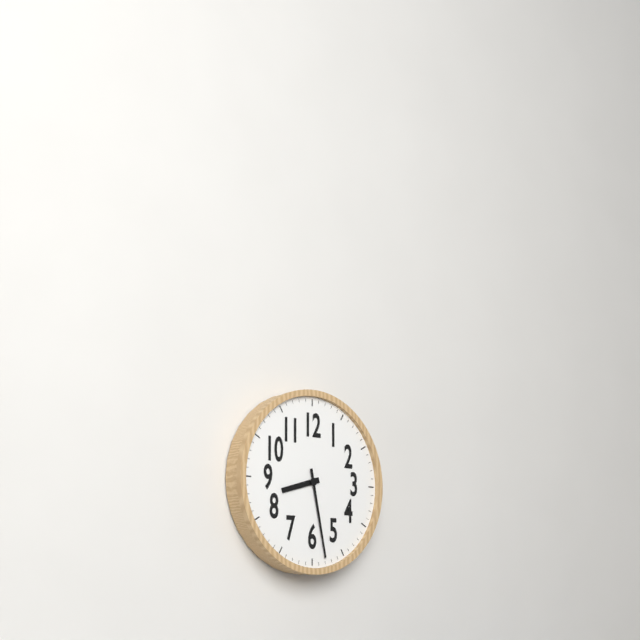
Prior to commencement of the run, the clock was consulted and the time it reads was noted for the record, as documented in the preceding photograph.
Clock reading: 8:28
